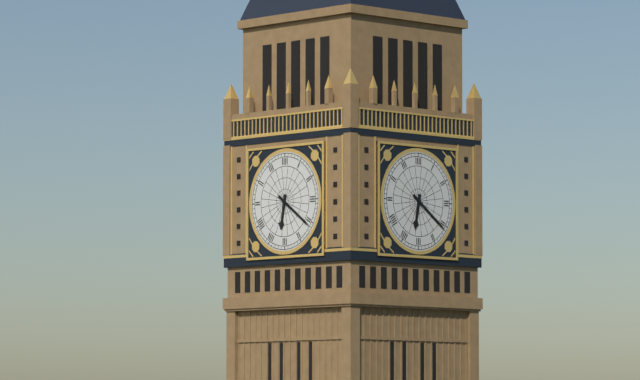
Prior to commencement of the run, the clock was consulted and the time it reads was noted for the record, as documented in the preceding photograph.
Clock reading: 6:21
